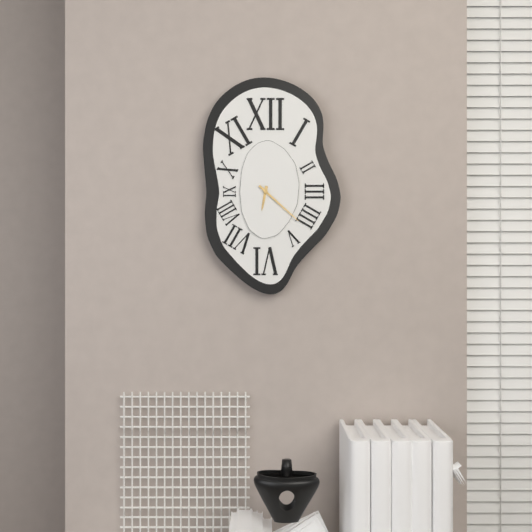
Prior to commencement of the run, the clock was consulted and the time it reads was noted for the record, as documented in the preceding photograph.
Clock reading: 6:22
